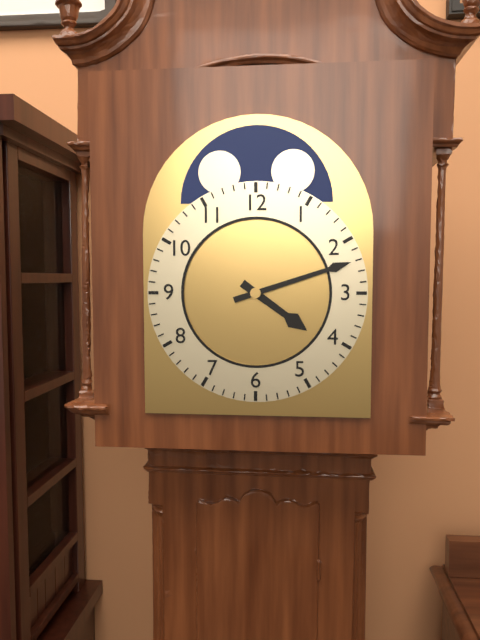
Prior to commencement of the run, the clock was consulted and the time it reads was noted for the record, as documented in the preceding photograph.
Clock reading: 4:12
